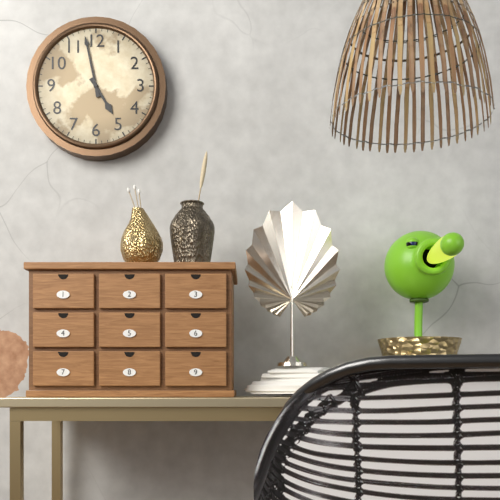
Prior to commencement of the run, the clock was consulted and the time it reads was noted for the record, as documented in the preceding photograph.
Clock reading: 4:58
